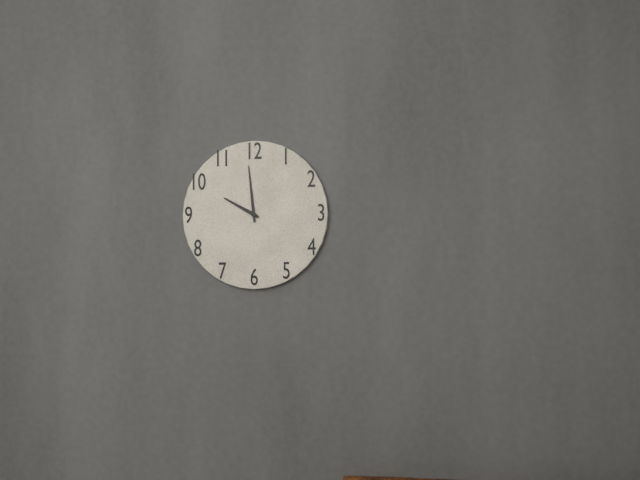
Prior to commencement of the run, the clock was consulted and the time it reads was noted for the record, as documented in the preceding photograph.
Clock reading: 9:59
